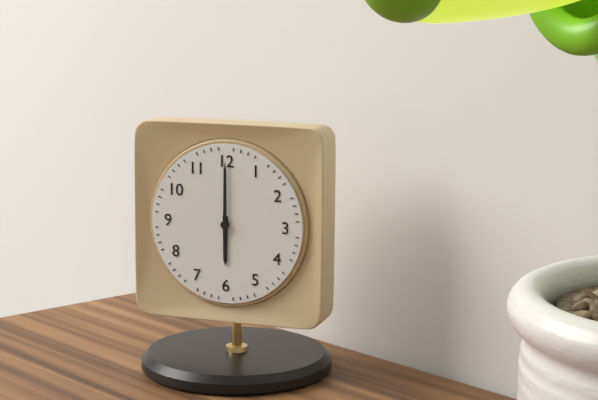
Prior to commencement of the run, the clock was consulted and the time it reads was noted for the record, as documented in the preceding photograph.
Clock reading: 6:00
